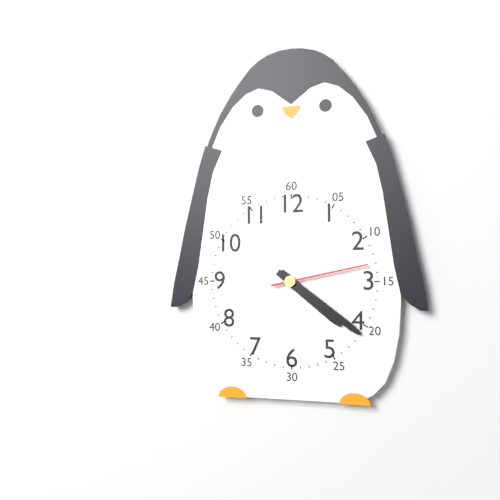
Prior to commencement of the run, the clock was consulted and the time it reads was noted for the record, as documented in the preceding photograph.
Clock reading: 4:21:13
